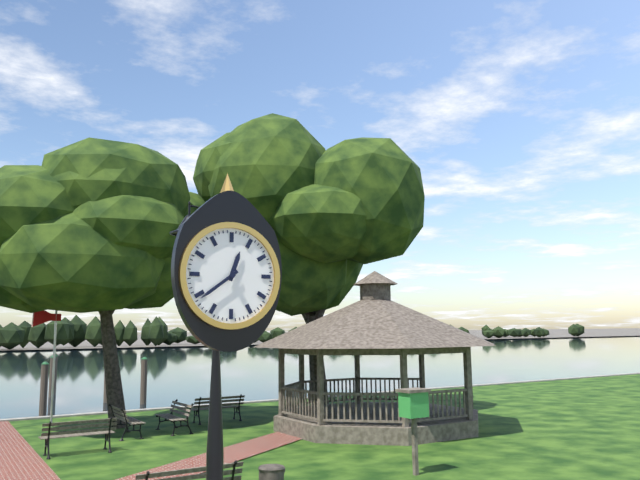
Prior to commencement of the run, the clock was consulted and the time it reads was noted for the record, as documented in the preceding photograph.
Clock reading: 12:39
